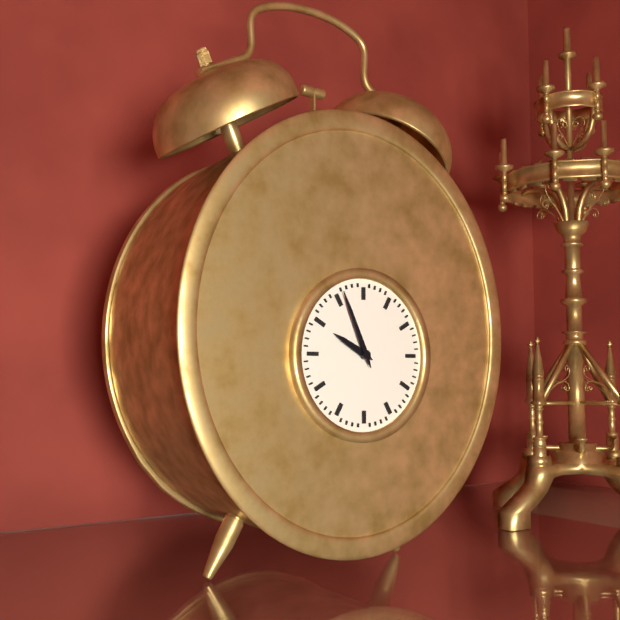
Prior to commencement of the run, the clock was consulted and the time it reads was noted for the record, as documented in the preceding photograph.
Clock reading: 9:56
